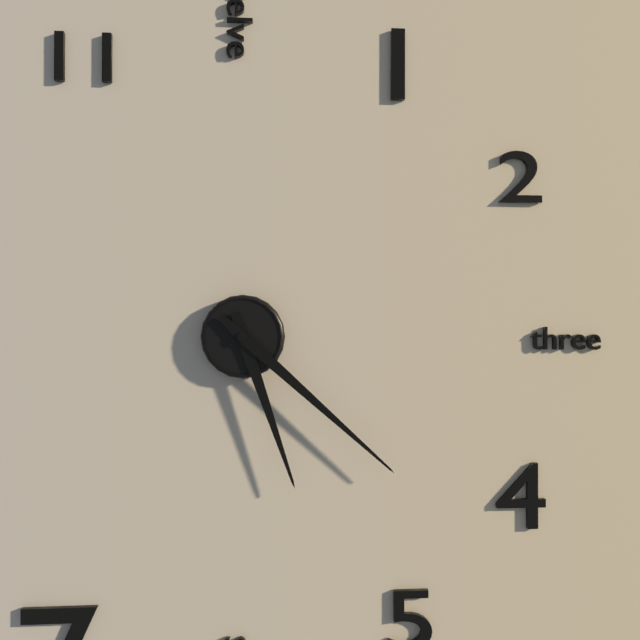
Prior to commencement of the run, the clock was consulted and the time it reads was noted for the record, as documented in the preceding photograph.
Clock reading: 5:22
